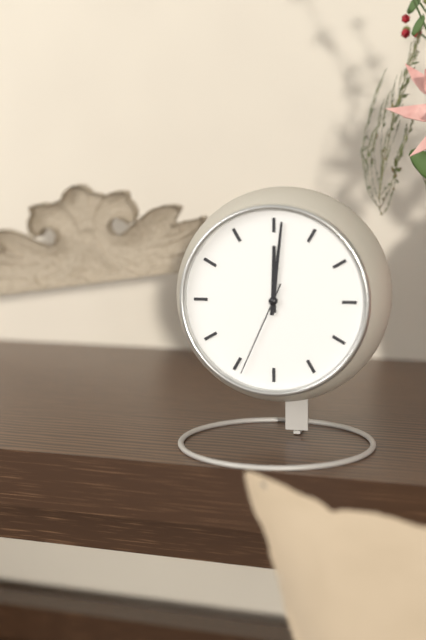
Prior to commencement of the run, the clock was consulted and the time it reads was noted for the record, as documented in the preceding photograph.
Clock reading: 12:01:34
